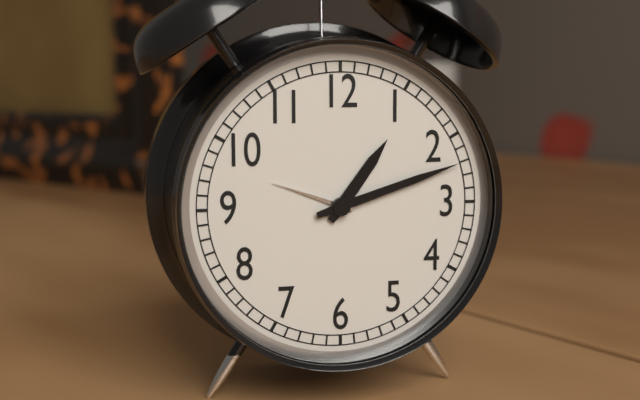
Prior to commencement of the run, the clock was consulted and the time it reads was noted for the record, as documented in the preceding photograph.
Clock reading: 1:12
